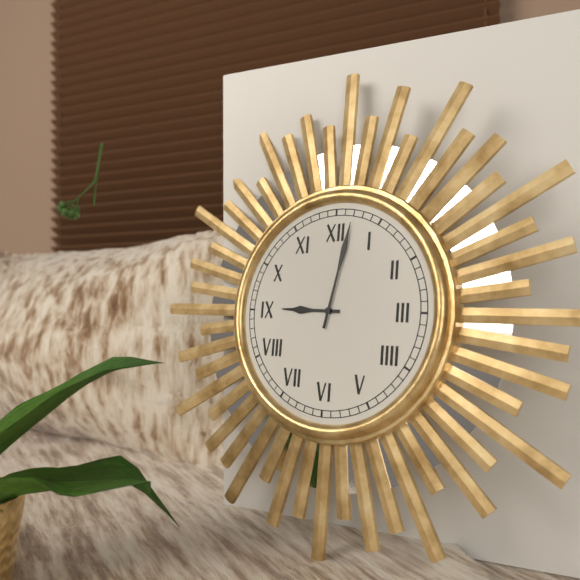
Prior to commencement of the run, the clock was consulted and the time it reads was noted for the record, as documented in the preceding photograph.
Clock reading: 9:02
